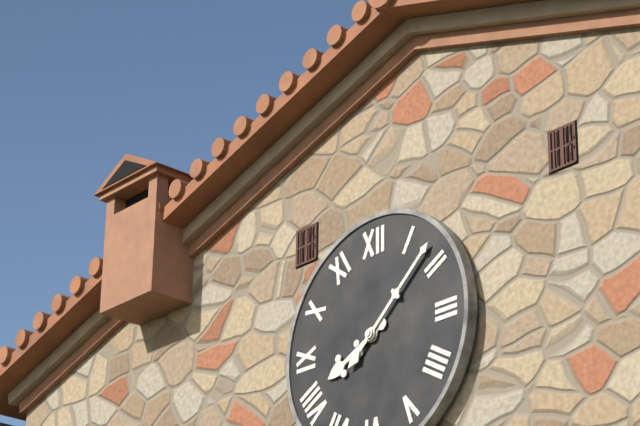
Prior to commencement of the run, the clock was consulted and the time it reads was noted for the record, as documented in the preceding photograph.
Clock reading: 8:08
